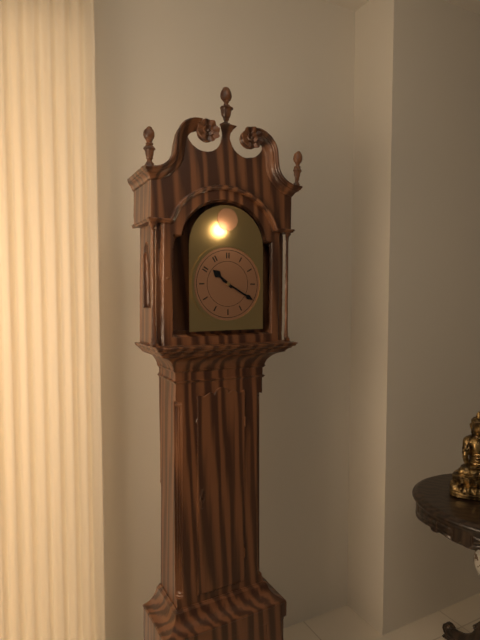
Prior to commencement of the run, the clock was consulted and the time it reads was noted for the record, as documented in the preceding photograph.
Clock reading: 10:20
